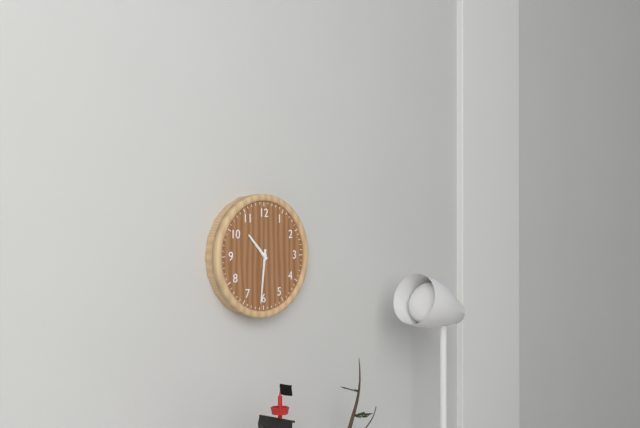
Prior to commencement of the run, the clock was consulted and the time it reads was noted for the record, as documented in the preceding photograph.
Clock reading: 10:31
